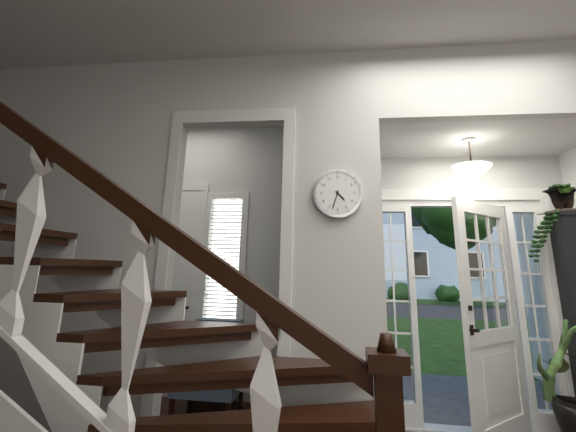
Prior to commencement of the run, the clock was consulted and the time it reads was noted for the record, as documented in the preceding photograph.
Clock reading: 4:33
